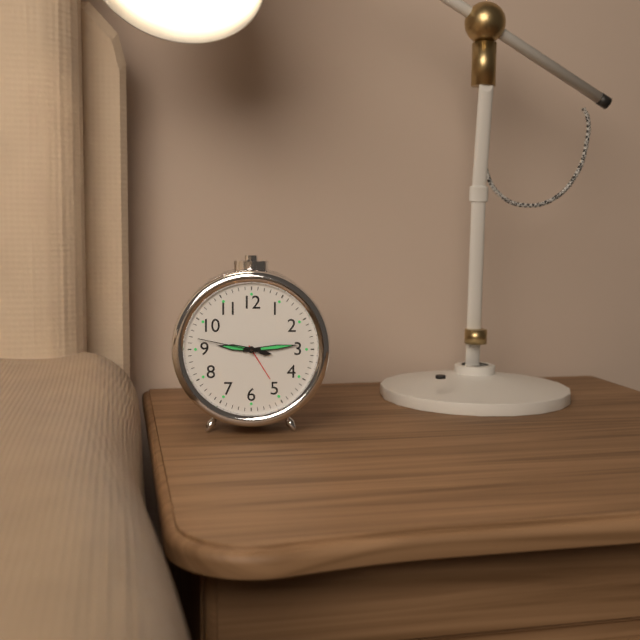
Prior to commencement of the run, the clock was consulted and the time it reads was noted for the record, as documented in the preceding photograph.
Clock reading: 9:14:47
